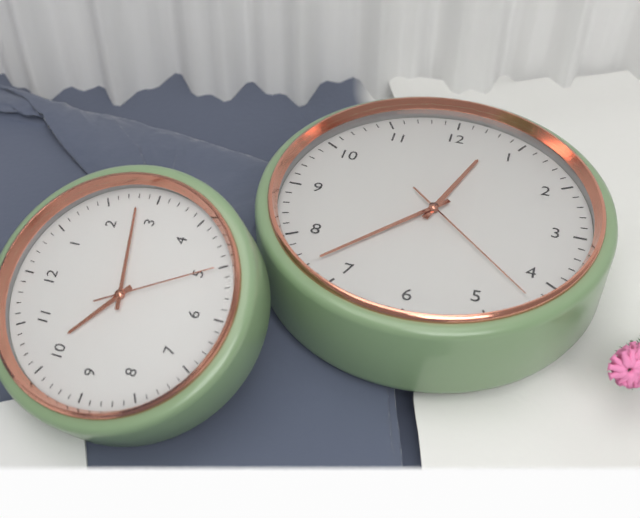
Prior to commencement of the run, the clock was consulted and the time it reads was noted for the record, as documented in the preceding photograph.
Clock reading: 12:37:22
